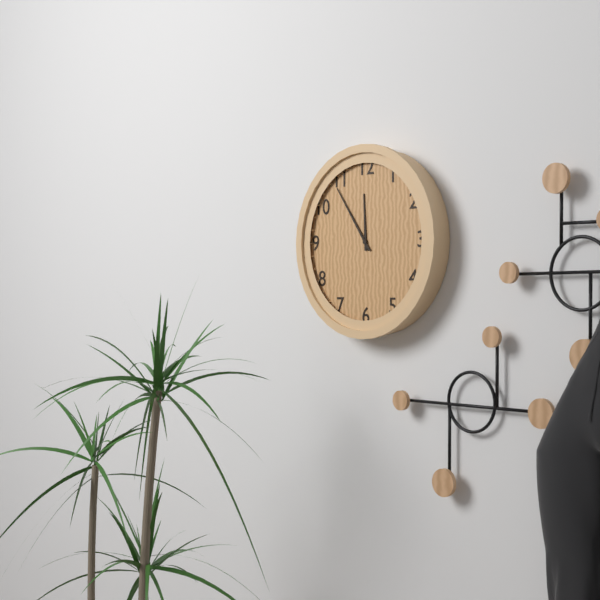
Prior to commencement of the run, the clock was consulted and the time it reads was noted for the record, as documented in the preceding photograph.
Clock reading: 11:54
